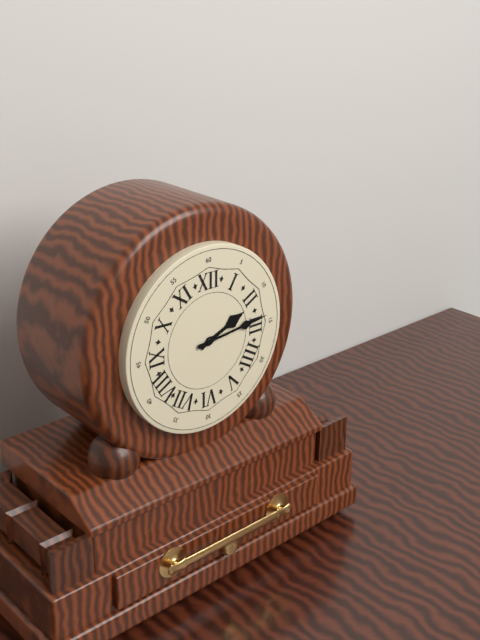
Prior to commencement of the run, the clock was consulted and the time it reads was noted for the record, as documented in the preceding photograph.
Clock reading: 2:14
